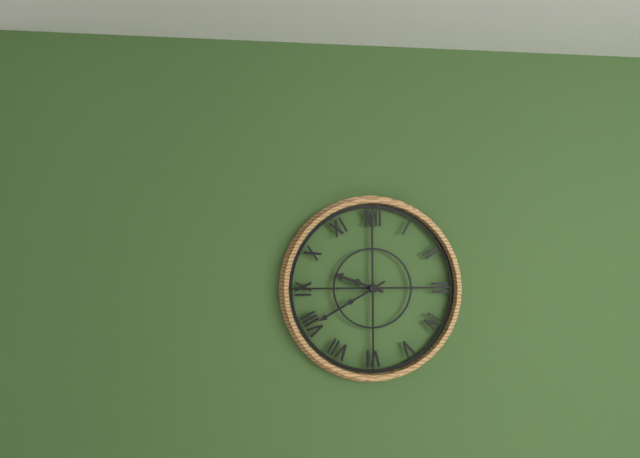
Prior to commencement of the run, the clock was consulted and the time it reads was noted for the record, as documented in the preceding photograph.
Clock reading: 9:40
